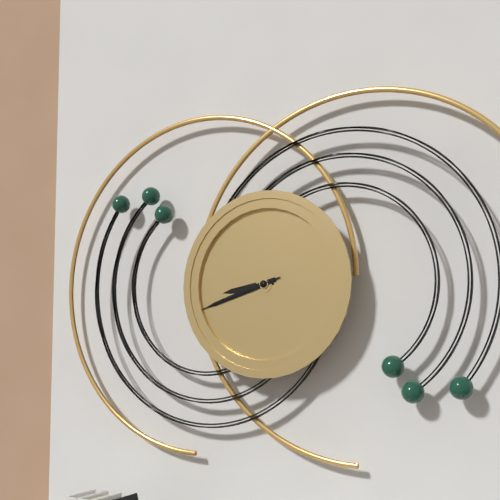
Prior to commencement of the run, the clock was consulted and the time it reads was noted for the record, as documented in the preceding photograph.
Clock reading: 8:42:42
